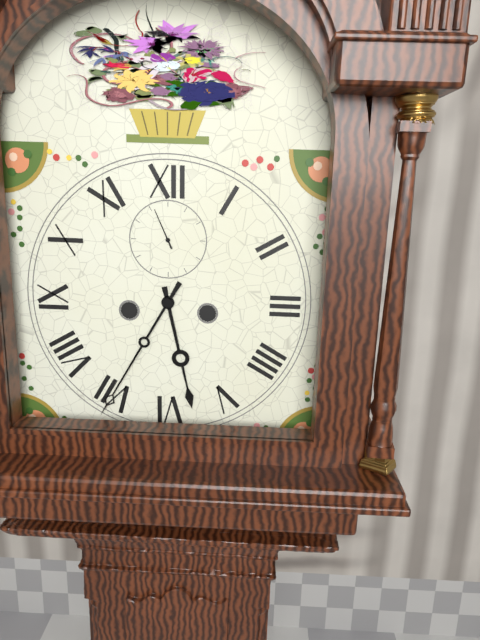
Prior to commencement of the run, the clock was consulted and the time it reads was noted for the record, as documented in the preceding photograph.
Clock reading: 5:35
